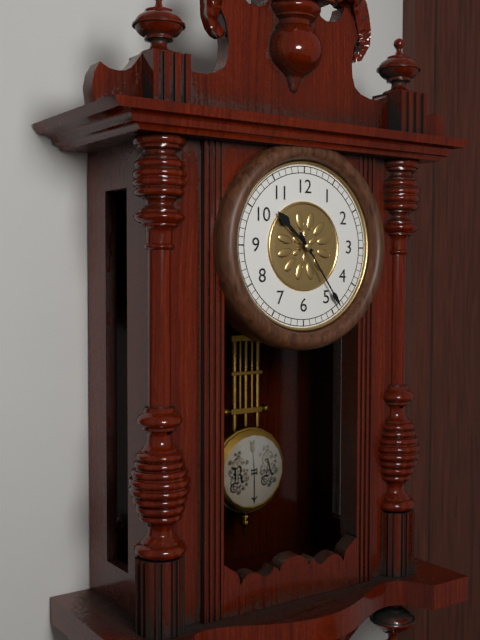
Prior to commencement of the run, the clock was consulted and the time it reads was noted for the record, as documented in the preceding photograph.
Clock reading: 10:24
